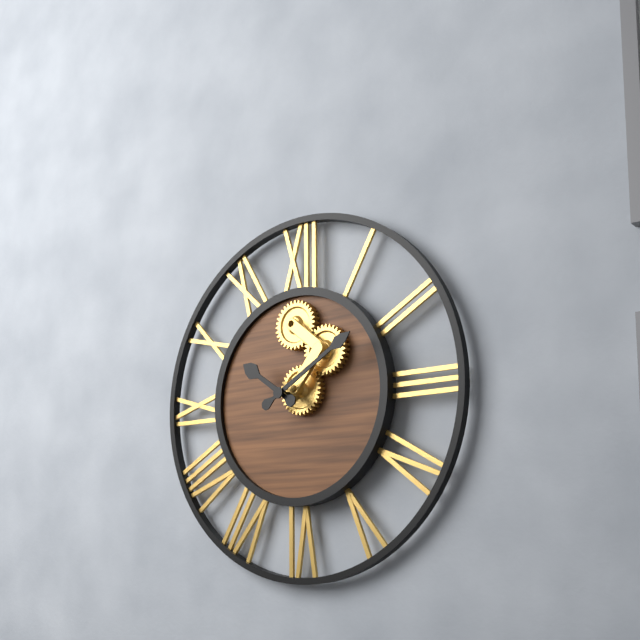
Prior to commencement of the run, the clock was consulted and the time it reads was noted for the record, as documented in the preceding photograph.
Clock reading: 10:10
